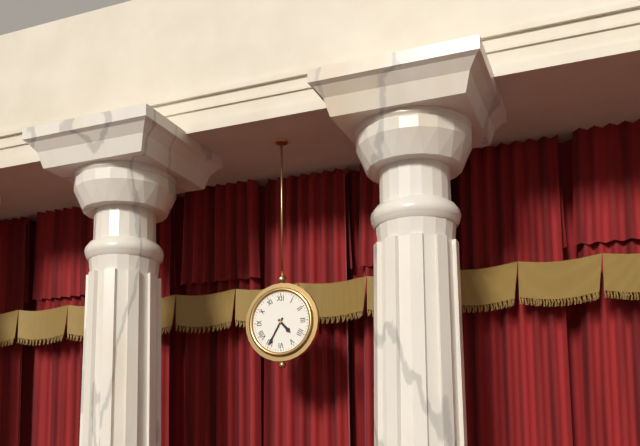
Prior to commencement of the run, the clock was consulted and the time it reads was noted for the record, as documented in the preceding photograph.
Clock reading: 4:35
